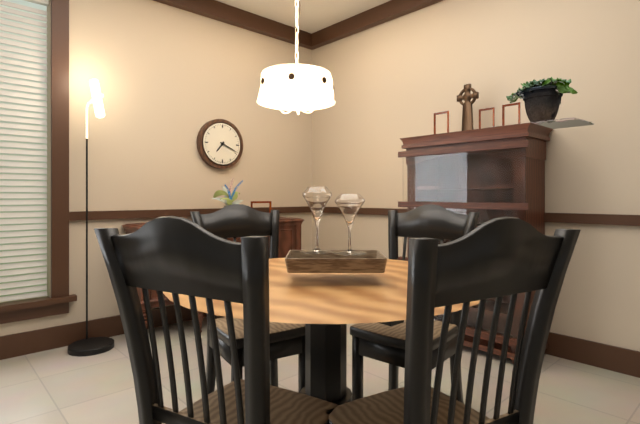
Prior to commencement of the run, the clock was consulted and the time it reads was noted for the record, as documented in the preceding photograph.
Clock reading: 7:19
